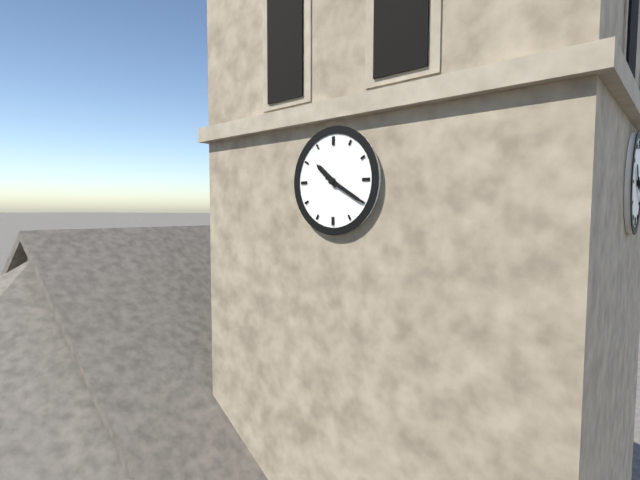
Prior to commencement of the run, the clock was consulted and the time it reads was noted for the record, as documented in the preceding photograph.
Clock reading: 10:20
